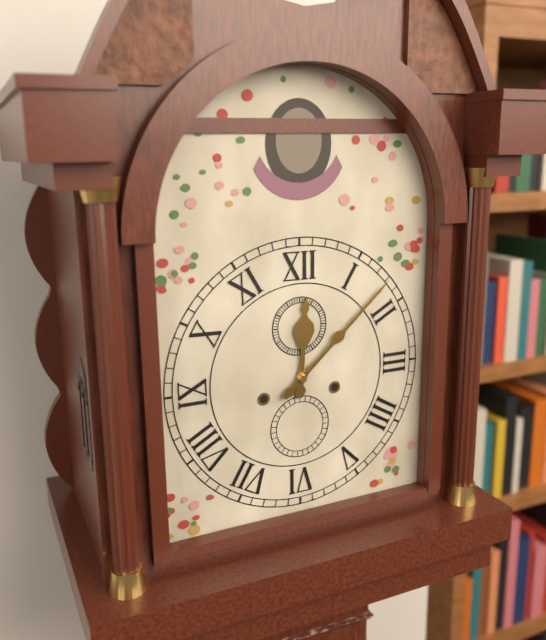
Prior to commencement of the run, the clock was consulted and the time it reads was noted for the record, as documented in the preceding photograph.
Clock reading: 12:08
